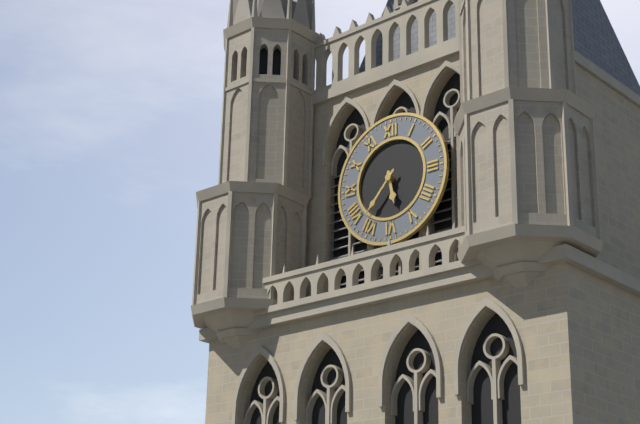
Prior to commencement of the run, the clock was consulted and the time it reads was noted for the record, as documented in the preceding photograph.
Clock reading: 5:37
